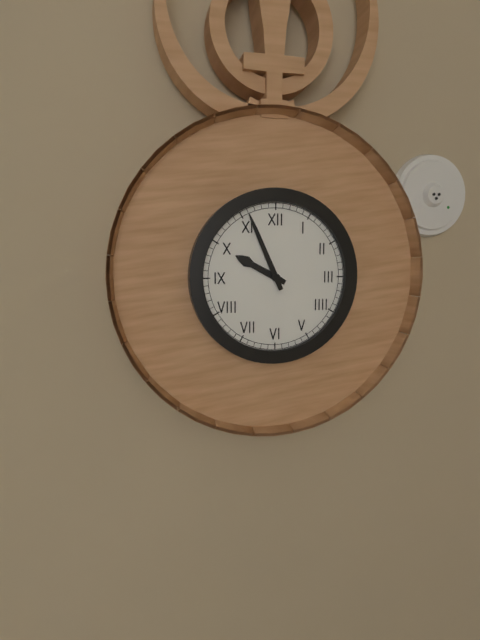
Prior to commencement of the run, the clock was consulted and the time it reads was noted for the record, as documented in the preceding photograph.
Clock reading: 9:56
